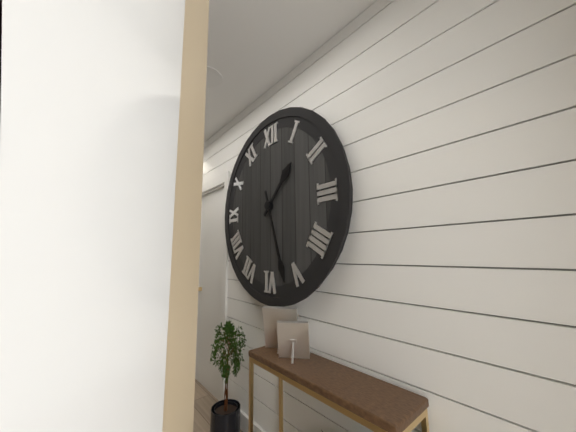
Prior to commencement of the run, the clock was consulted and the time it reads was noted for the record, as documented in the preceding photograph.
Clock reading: 1:27
